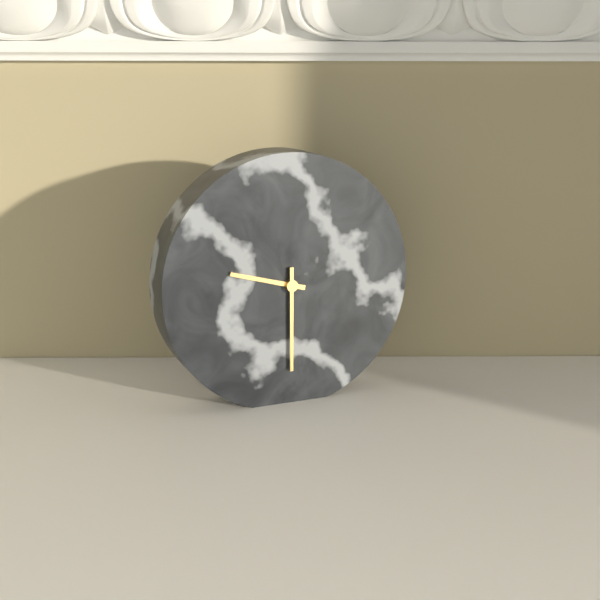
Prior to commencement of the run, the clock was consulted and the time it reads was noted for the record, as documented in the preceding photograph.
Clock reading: 9:30
